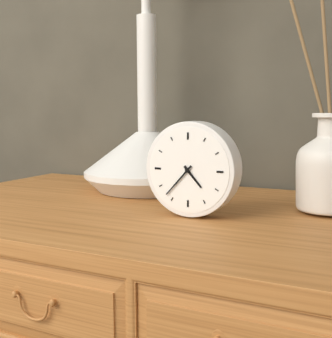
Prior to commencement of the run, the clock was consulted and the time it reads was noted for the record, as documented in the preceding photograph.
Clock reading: 4:37
